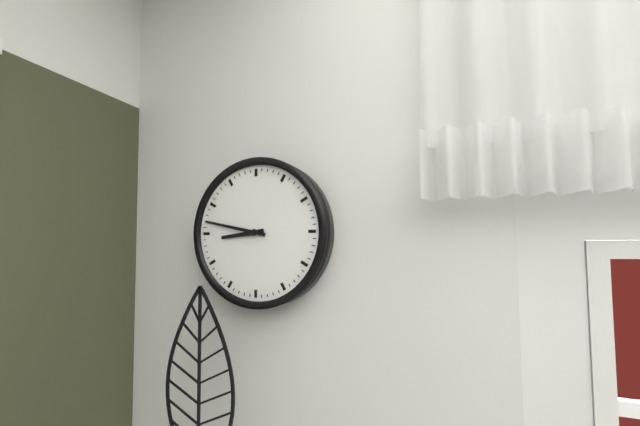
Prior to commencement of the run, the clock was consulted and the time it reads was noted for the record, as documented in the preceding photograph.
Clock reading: 8:47
